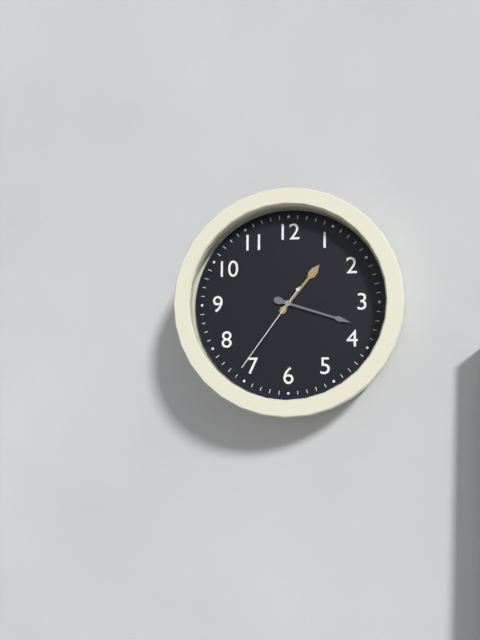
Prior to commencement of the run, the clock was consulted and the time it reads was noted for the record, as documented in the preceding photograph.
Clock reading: 1:18:36
